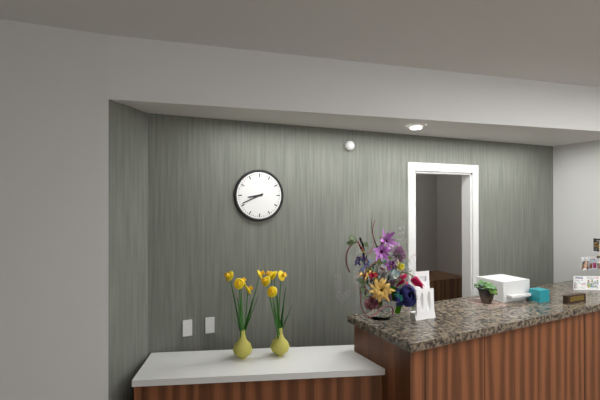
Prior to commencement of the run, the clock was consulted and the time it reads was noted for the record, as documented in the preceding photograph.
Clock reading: 8:41
